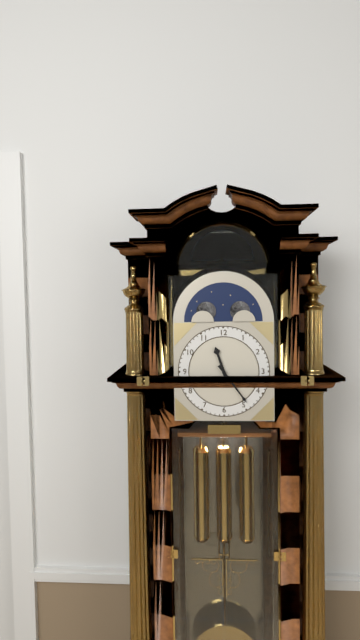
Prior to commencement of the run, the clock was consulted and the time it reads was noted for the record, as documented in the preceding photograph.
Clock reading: 11:24
